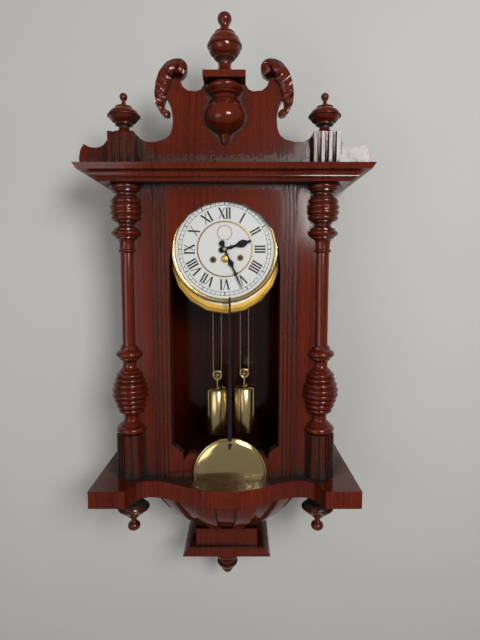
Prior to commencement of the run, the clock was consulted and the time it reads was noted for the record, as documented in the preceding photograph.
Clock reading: 2:26
